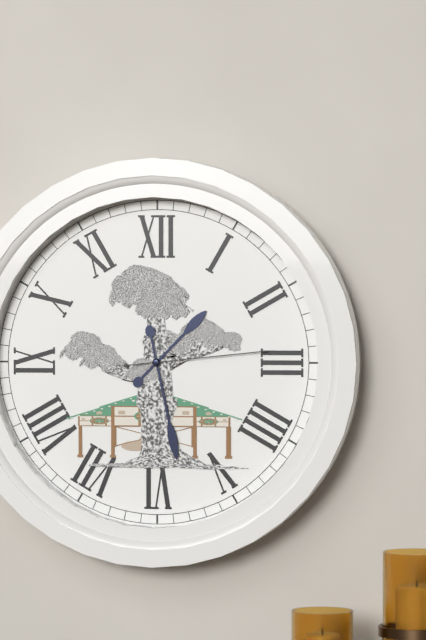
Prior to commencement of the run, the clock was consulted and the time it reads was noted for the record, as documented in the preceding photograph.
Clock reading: 1:28:14
